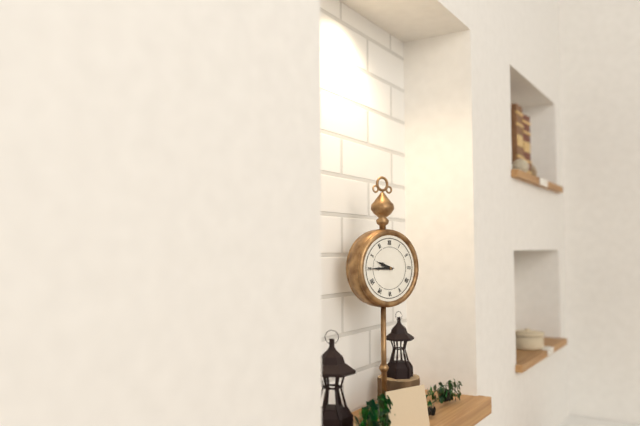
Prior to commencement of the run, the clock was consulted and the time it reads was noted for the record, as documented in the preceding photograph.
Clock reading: 9:45
